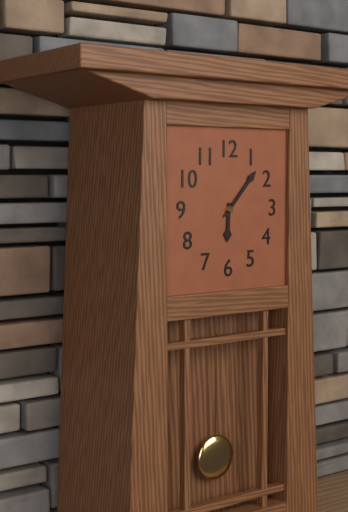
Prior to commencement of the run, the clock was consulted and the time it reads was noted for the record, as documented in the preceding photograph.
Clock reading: 6:07
